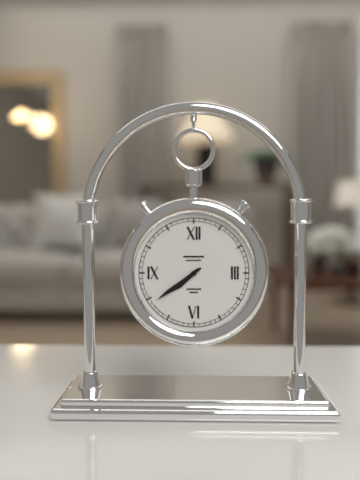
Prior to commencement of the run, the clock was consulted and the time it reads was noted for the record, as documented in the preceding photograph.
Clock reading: 7:39
